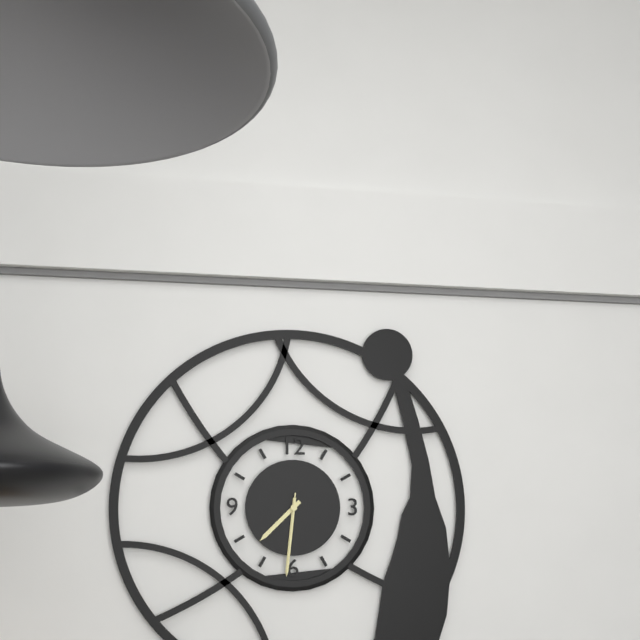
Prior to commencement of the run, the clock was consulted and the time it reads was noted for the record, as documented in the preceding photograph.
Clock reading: 7:31:31
